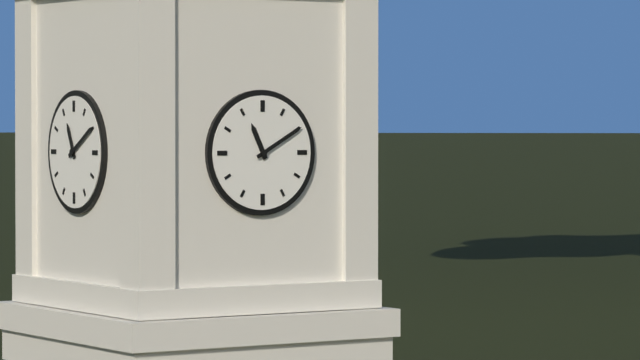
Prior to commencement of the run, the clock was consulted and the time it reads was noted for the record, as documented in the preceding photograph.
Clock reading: 11:10
